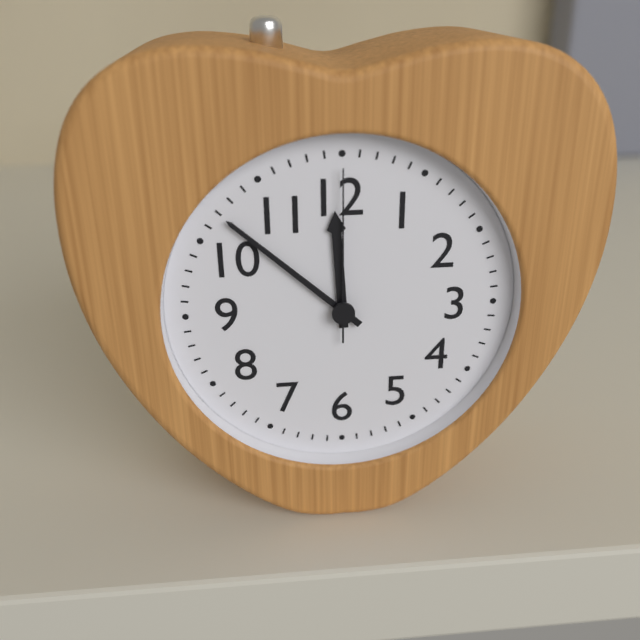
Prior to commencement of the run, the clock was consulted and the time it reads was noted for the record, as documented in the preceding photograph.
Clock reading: 11:52:00
